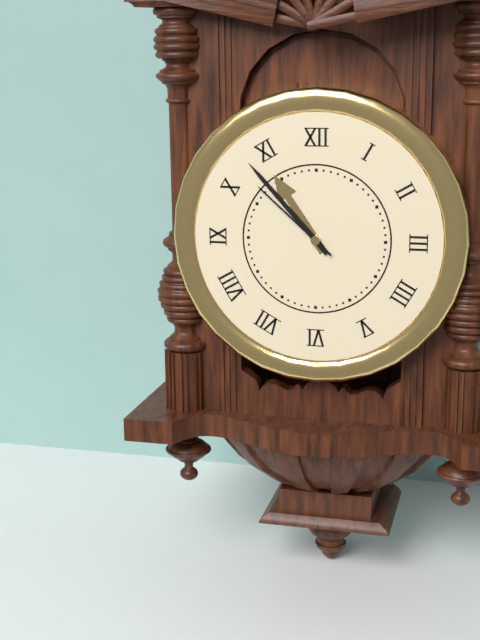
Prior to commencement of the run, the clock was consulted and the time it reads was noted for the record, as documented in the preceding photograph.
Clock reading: 10:53:52
